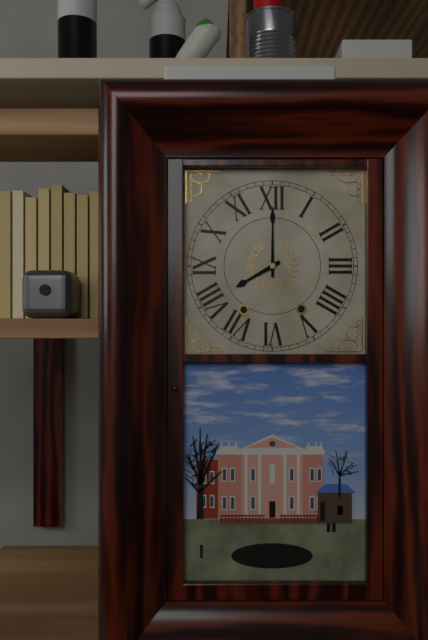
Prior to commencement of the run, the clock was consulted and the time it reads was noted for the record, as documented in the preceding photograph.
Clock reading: 8:00
